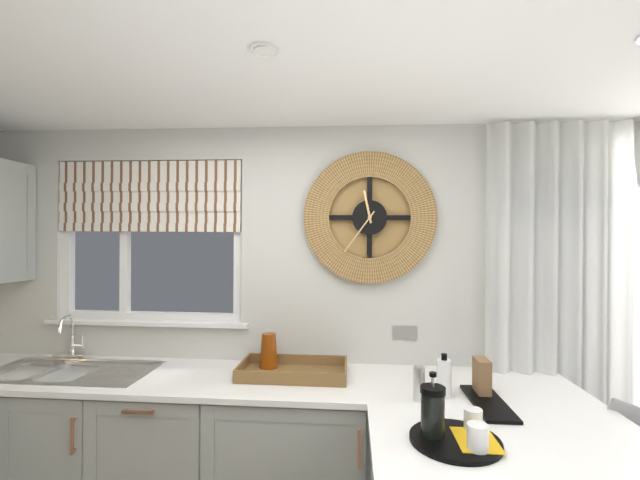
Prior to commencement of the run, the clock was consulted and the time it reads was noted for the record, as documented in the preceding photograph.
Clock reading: 11:36
